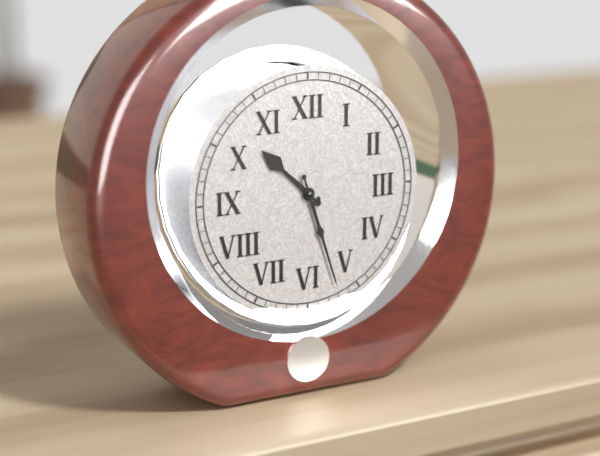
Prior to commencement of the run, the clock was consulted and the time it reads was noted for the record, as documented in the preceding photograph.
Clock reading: 10:27
